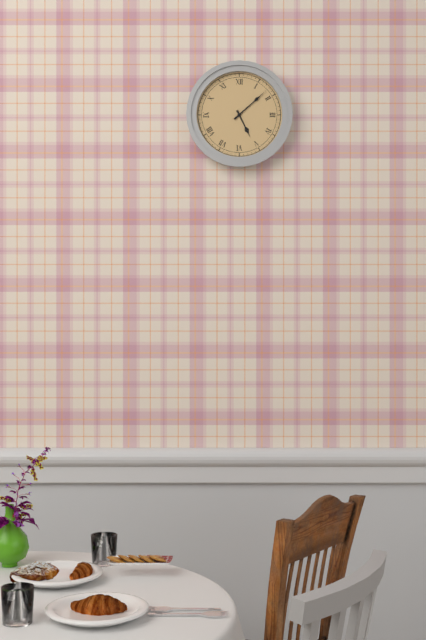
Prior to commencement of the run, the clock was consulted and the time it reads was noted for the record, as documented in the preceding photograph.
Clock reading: 5:08
